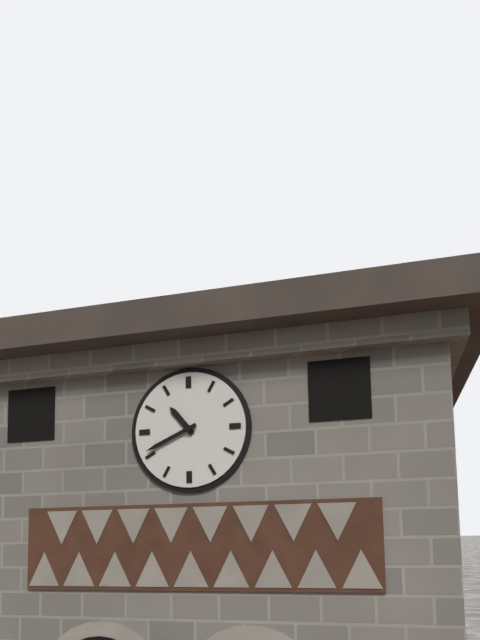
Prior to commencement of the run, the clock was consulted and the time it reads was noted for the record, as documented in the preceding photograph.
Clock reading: 10:41
